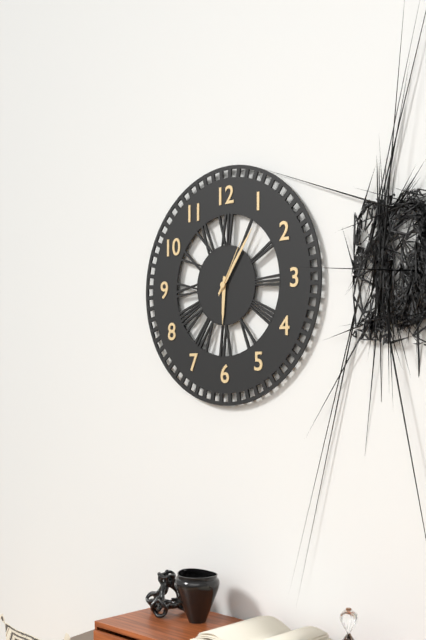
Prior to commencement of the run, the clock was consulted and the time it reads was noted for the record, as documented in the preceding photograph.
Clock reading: 6:06:05
